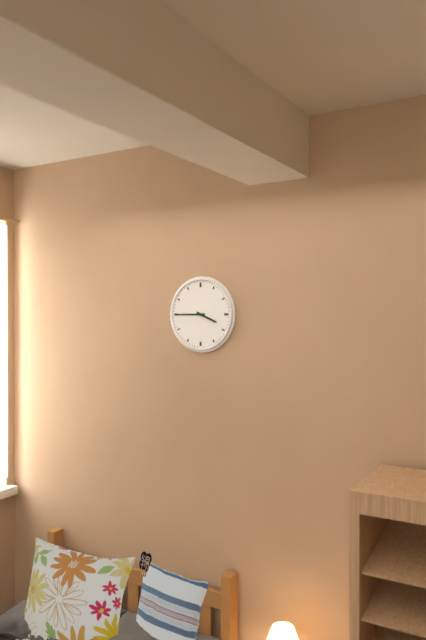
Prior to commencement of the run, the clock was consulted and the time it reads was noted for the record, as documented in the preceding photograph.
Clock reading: 3:45
